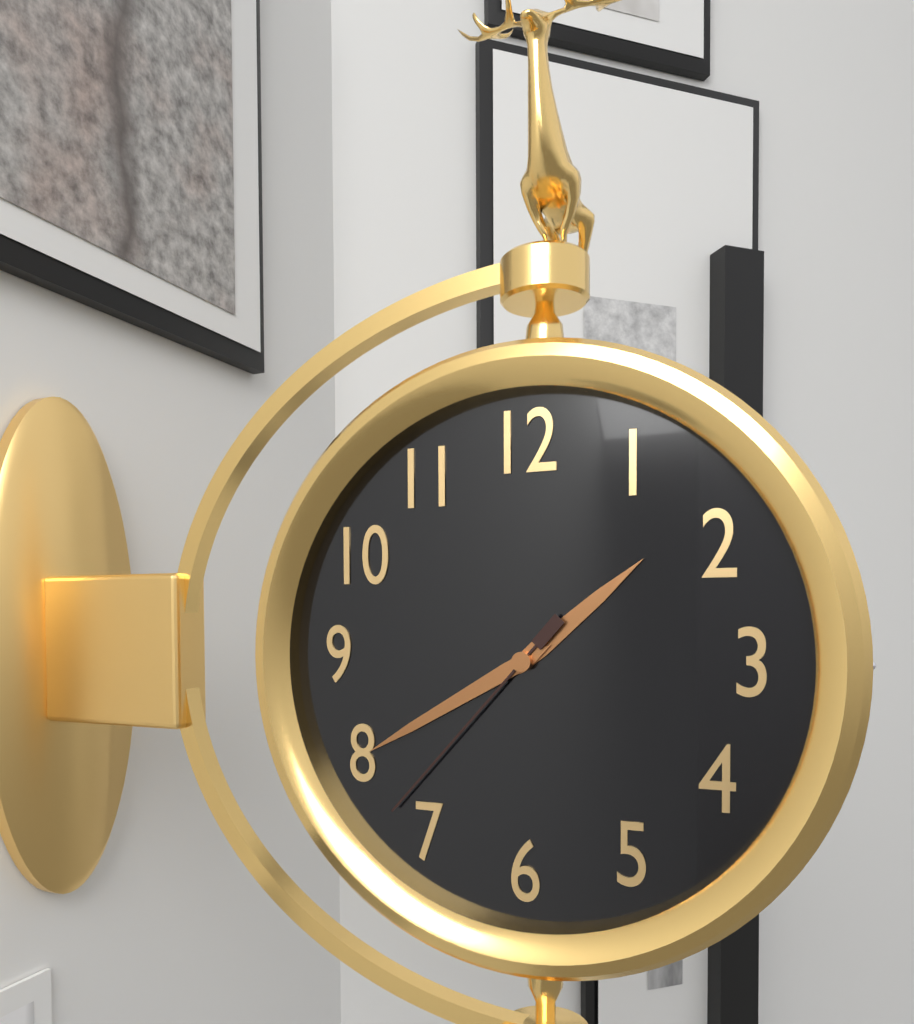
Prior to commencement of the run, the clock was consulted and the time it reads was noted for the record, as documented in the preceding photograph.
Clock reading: 1:40:37
